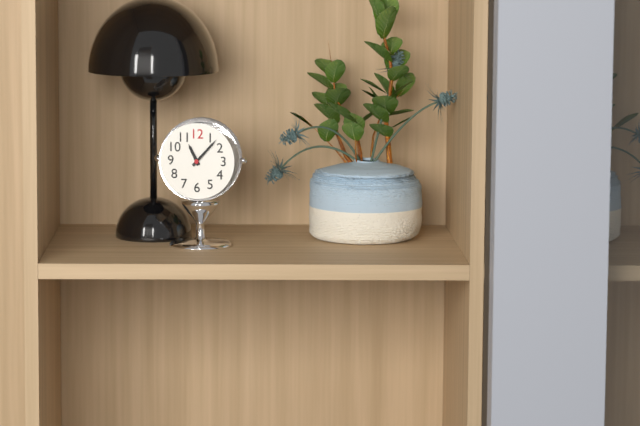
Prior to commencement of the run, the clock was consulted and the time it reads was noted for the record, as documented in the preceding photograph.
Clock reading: 11:07
